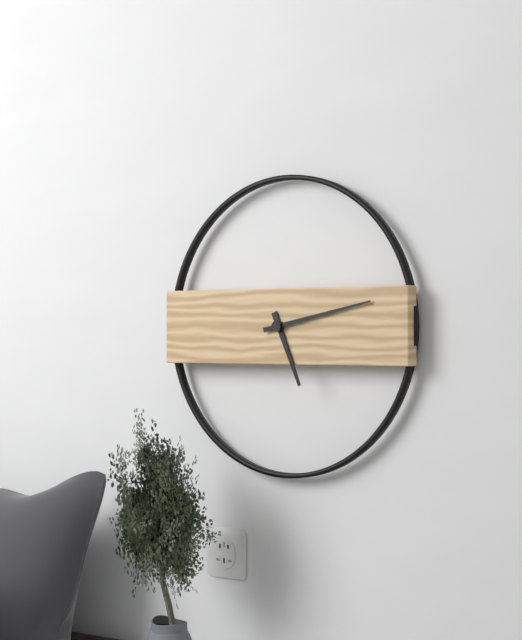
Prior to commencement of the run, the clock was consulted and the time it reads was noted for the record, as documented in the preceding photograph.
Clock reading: 5:13
